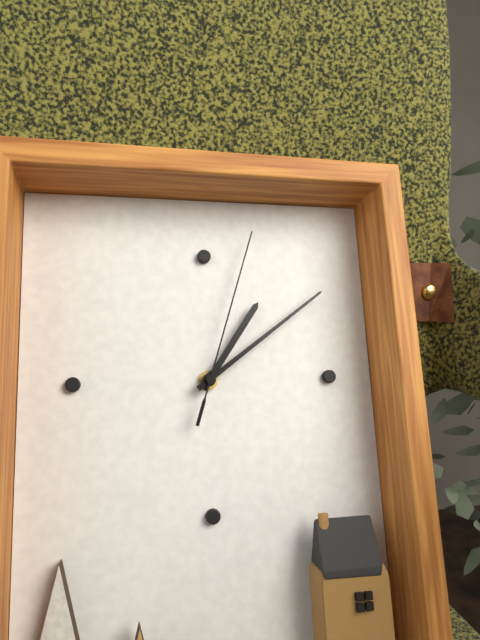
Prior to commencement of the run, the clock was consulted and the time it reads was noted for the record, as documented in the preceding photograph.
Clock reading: 1:09:03
